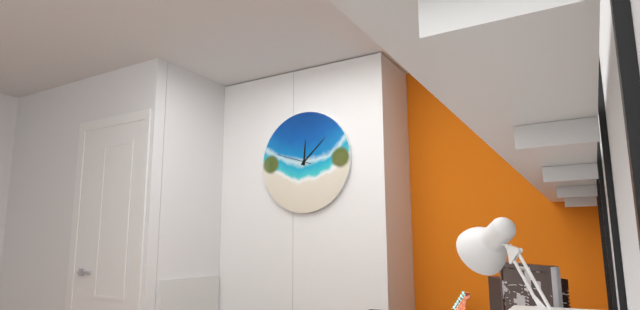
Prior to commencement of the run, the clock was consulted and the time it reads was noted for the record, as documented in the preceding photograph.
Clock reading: 12:08
